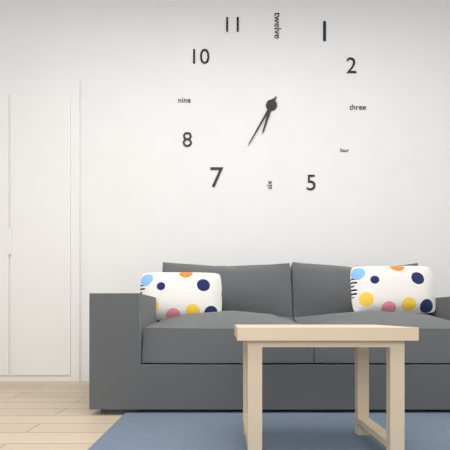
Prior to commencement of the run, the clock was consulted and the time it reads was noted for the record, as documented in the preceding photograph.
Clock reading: 6:35
